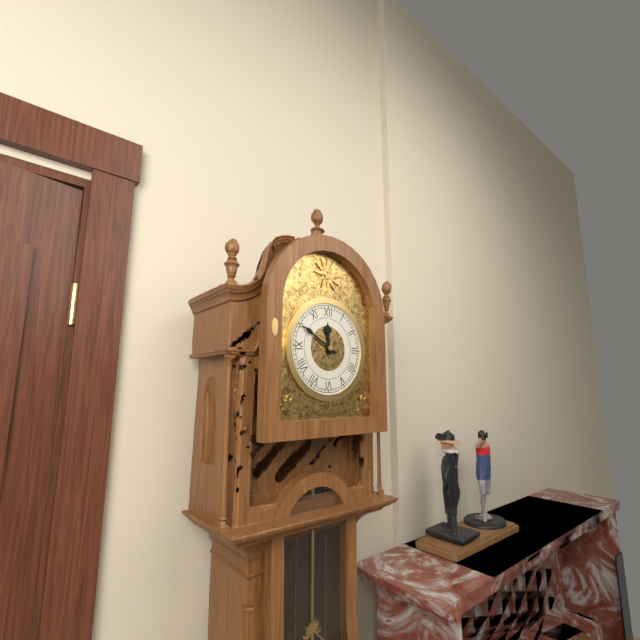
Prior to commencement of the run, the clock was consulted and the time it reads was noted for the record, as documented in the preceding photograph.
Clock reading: 11:50
